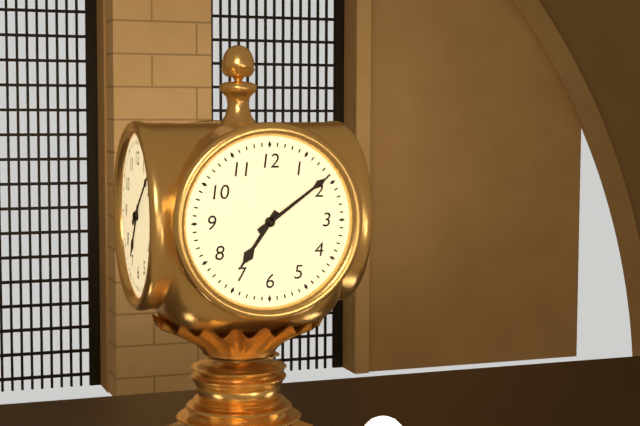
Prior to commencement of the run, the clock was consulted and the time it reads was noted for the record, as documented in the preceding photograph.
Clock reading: 7:09
